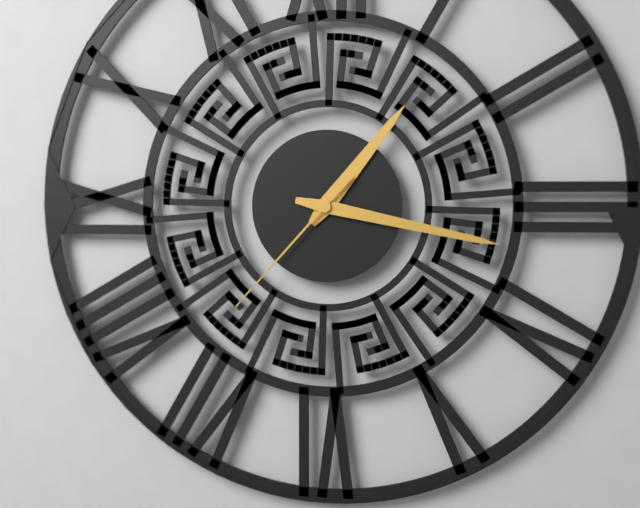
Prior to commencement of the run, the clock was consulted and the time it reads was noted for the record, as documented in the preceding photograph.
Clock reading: 1:17:37
